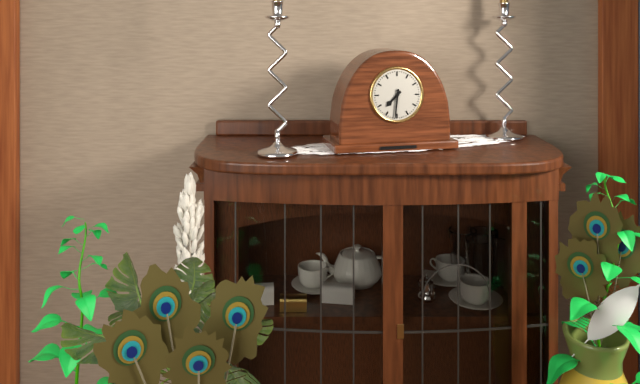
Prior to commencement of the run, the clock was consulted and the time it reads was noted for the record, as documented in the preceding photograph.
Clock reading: 7:31
